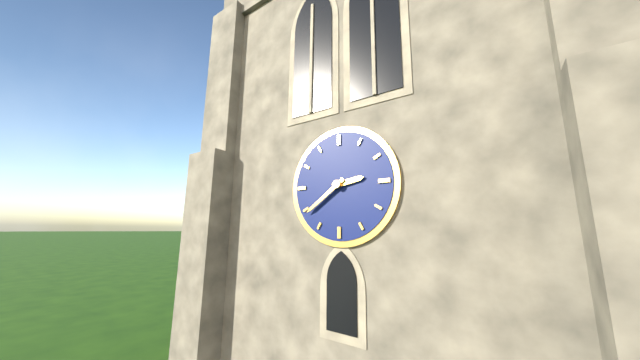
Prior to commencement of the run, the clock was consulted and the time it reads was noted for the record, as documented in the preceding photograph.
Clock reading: 2:39
